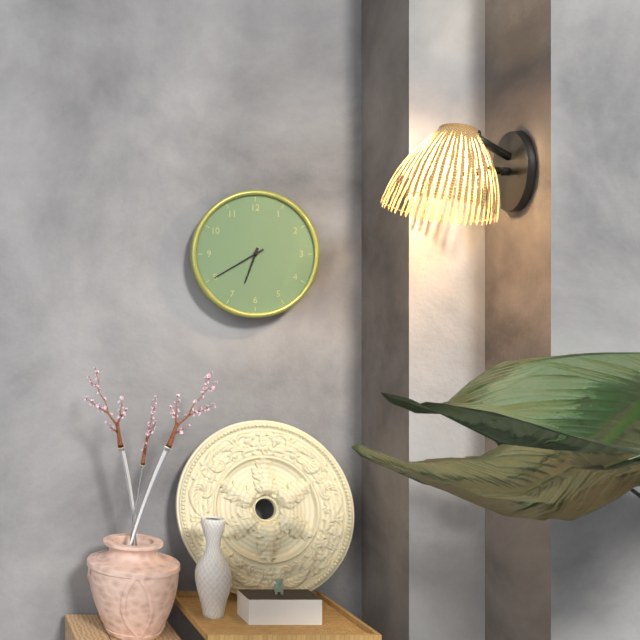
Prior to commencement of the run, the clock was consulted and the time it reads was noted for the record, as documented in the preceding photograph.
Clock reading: 6:40
